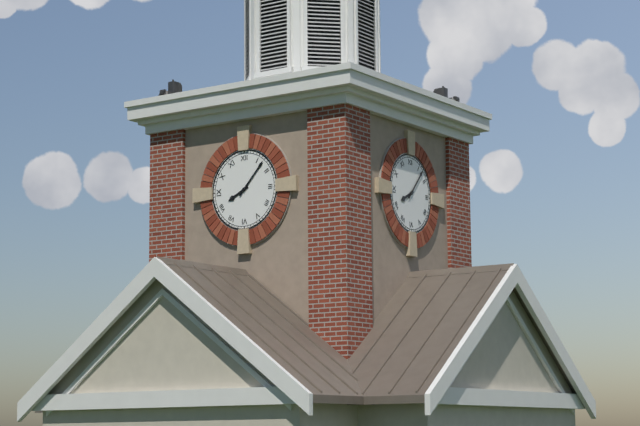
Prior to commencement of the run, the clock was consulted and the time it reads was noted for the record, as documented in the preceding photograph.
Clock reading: 8:07
